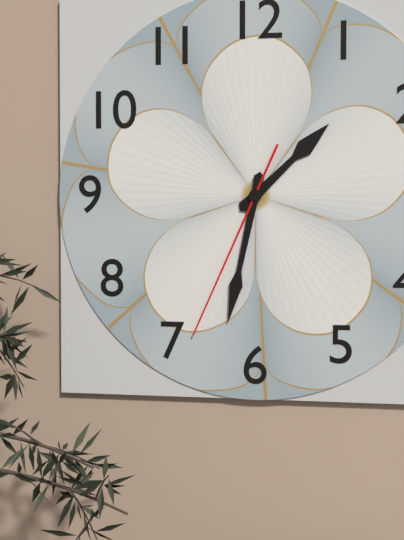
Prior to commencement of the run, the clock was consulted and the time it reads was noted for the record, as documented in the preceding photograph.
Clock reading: 1:32:34
